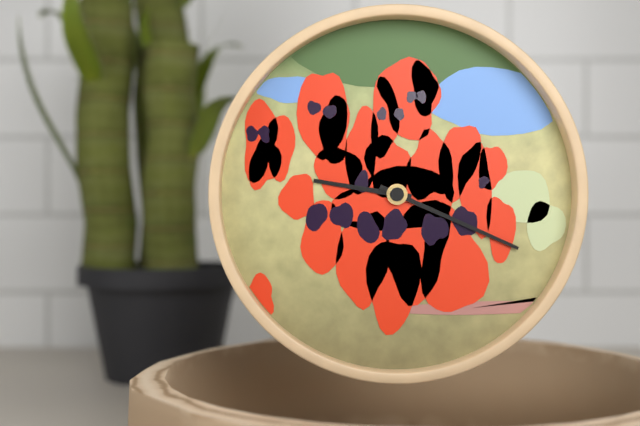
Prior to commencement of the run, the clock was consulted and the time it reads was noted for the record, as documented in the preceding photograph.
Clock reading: 9:19
